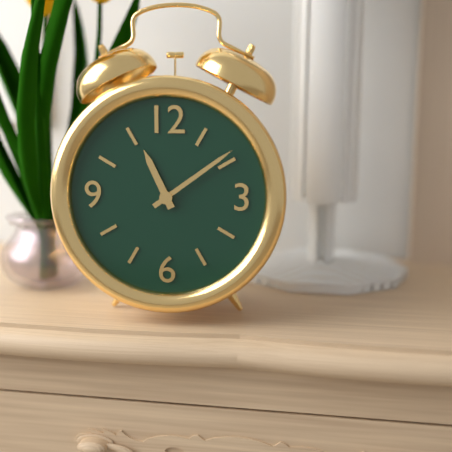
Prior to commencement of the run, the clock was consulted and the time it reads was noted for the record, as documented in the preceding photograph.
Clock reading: 11:09
